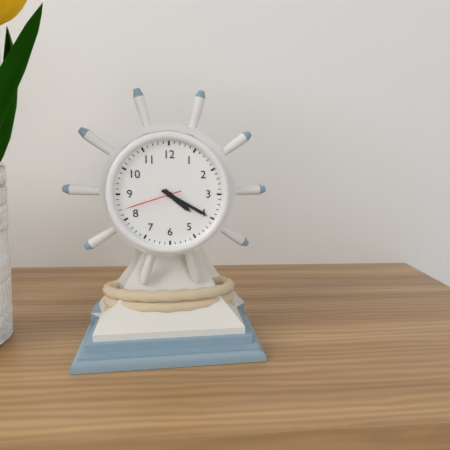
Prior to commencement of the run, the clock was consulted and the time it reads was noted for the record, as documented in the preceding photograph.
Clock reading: 4:20:42
